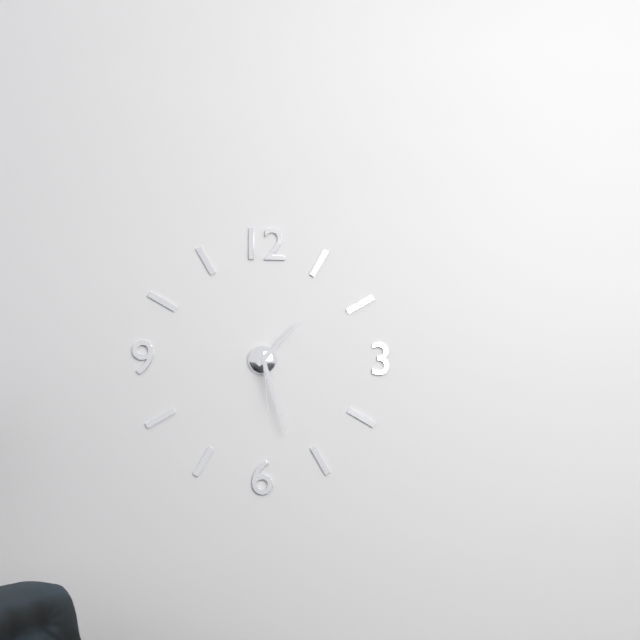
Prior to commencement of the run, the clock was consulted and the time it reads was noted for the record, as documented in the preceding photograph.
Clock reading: 1:27:29
